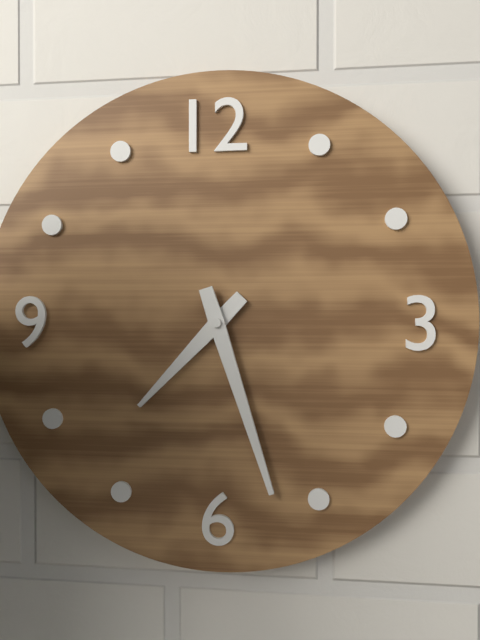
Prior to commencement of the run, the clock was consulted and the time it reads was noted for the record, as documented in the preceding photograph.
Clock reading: 7:27
